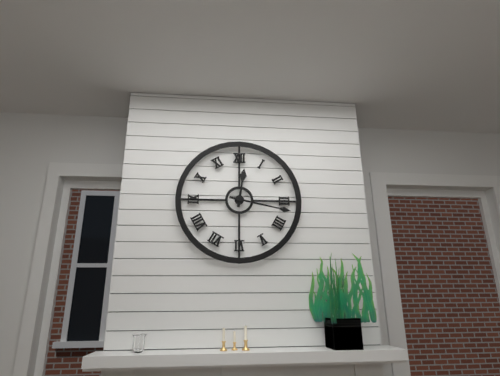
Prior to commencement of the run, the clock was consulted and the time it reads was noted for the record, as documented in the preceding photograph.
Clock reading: 12:17
